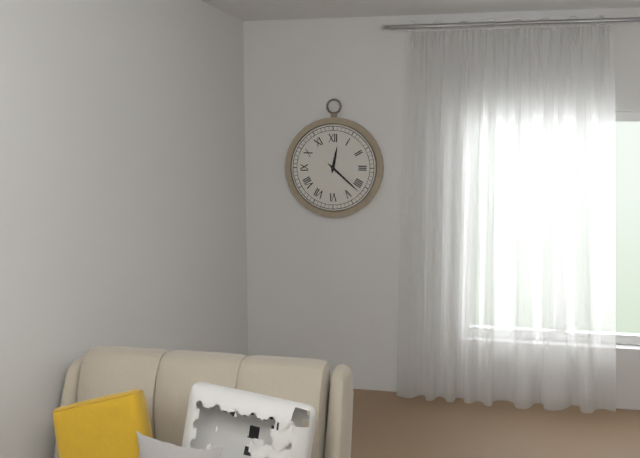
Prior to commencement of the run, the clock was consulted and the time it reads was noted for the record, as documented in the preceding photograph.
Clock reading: 12:22
